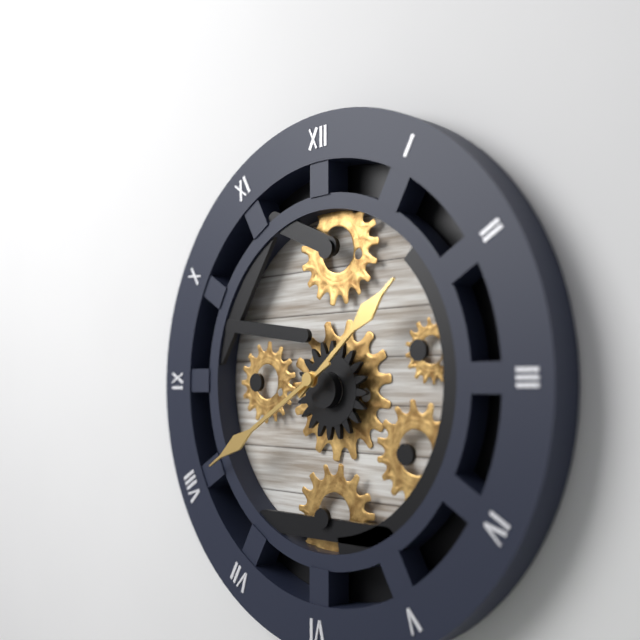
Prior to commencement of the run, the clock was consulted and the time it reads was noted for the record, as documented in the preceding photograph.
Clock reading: 1:40
